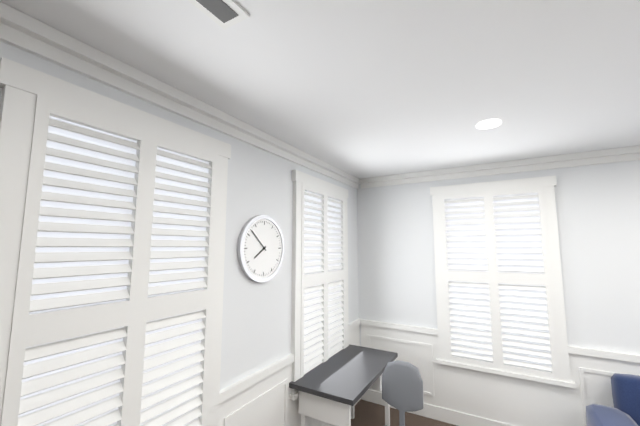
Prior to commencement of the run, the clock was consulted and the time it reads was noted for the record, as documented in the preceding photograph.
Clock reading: 7:52
